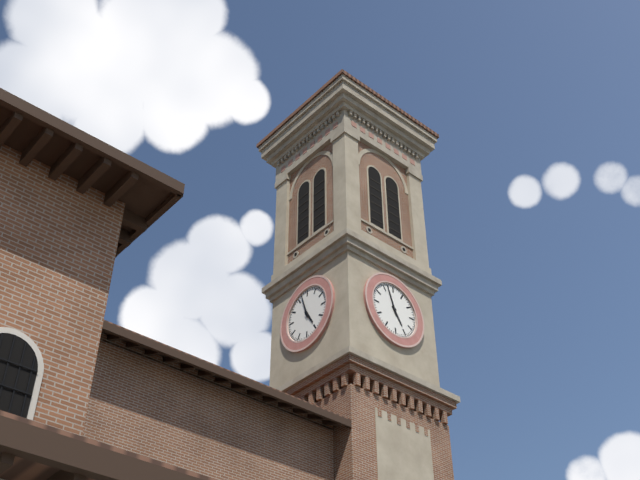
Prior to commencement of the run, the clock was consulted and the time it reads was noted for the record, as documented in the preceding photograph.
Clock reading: 4:57
